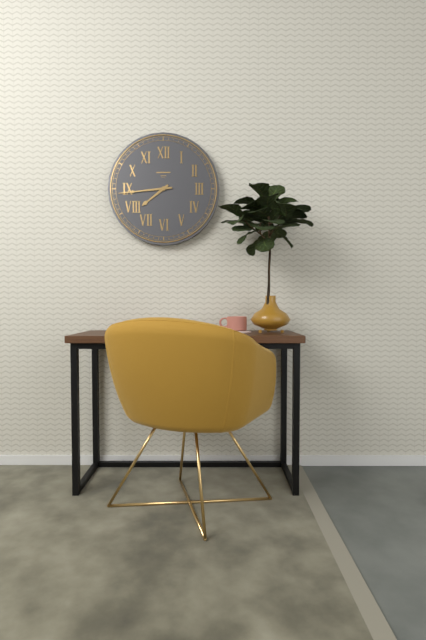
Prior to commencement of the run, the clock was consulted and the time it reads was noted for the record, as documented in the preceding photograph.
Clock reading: 7:44
